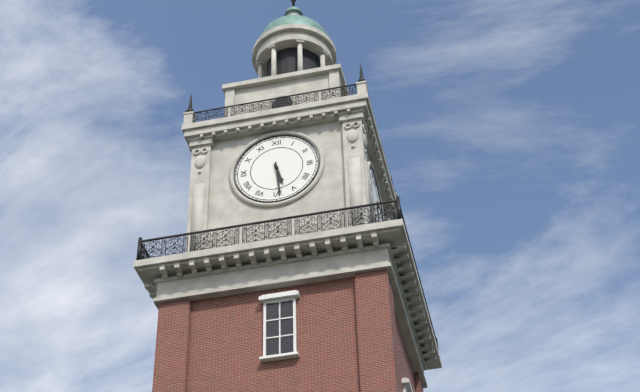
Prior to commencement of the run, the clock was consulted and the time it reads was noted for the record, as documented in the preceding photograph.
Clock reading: 5:29
